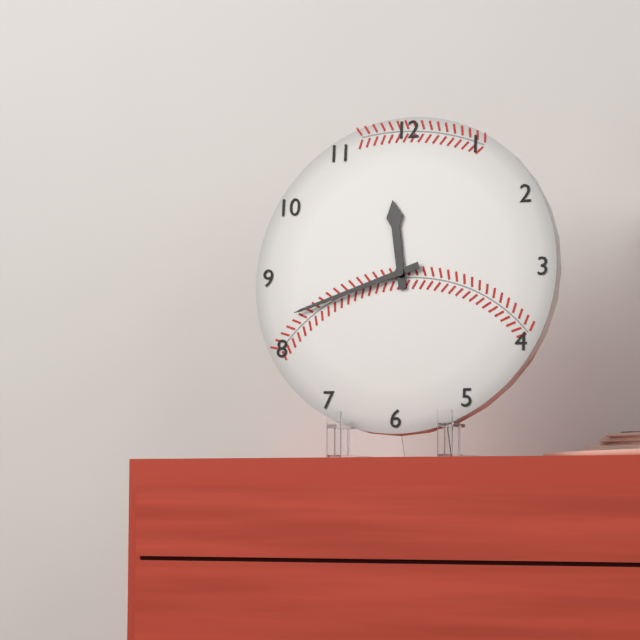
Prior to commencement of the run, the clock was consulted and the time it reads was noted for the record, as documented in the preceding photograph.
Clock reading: 11:42
